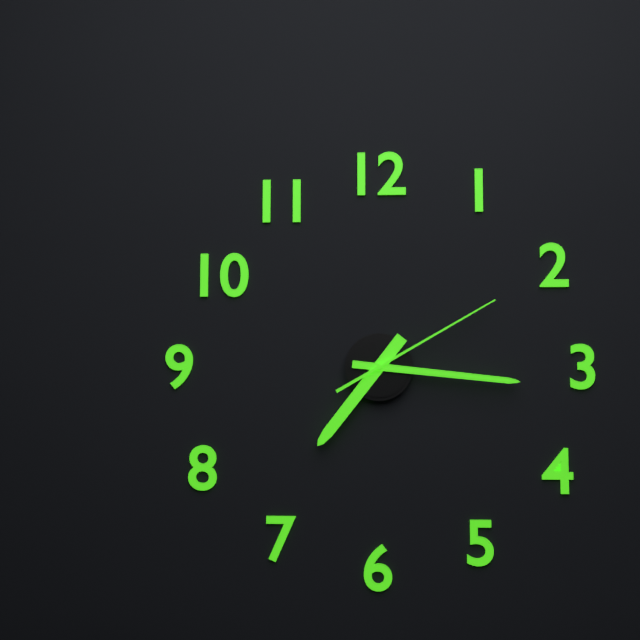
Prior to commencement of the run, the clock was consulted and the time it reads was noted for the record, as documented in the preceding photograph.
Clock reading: 7:16:10
